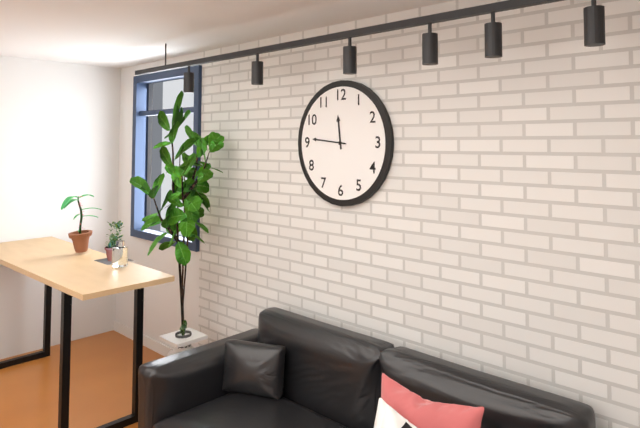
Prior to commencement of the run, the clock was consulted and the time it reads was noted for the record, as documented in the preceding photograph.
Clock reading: 11:46
